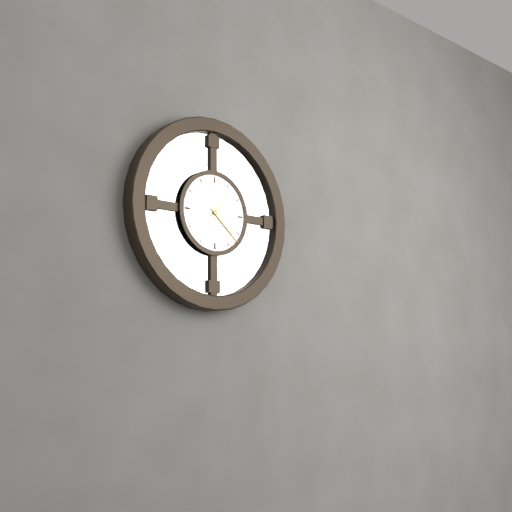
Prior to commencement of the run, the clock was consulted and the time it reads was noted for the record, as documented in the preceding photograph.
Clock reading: 1:22
